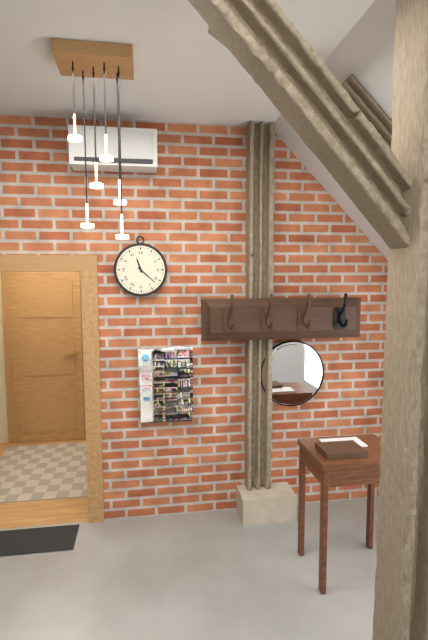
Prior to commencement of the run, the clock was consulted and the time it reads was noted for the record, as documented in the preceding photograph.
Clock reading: 11:22
